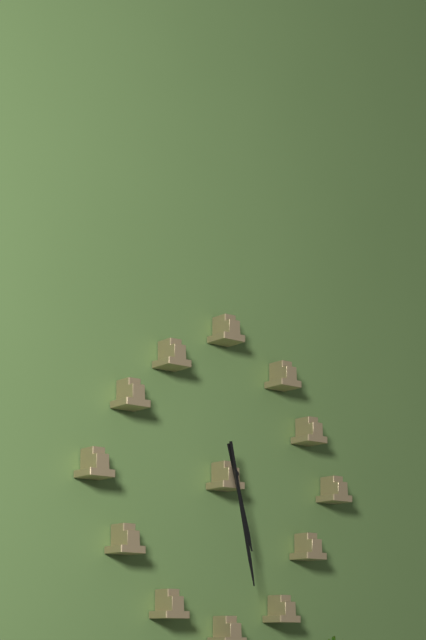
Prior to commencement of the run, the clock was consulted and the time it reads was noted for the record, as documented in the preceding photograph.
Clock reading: 5:28
